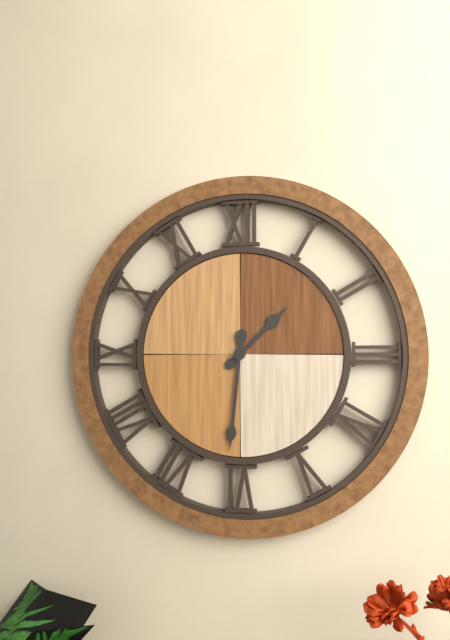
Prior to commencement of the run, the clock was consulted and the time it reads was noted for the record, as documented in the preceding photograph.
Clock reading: 1:31
